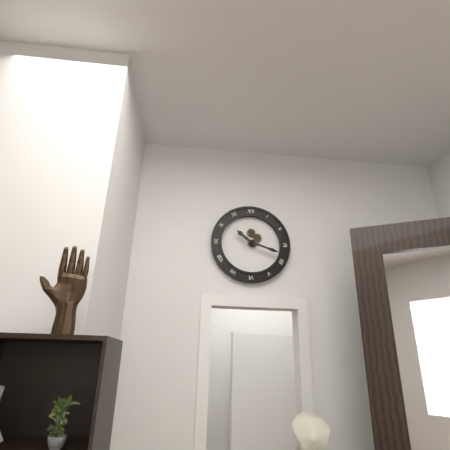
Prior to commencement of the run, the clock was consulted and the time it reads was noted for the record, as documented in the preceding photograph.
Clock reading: 10:18
